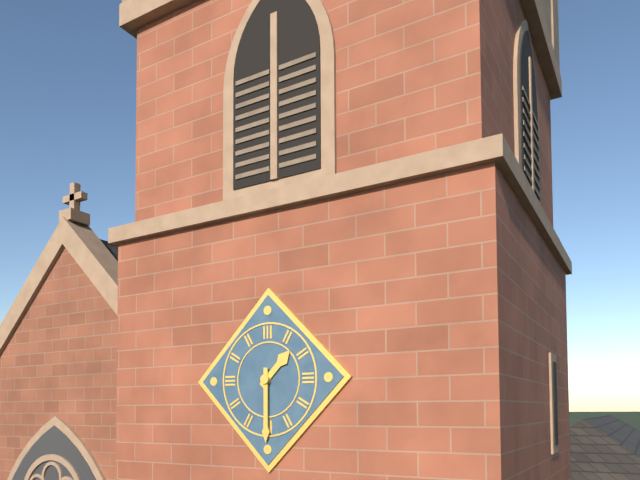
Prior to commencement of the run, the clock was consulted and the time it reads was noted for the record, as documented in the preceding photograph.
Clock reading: 1:30
